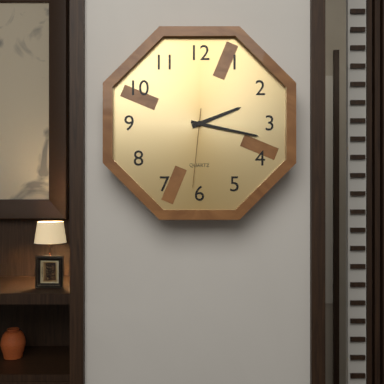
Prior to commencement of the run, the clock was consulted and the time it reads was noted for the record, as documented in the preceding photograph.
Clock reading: 2:17:31
